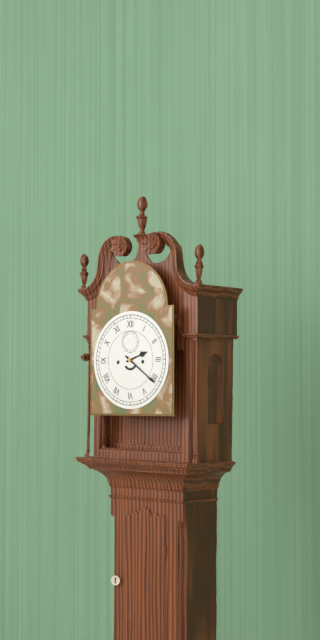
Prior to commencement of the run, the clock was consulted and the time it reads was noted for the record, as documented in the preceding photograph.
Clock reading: 2:21
